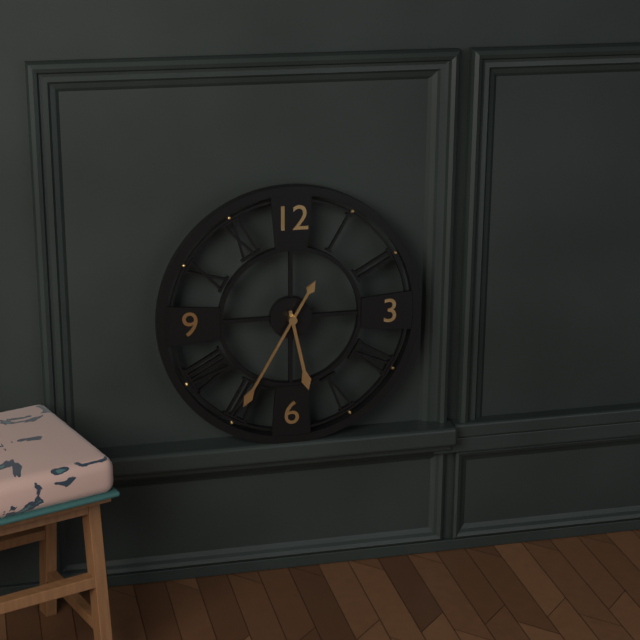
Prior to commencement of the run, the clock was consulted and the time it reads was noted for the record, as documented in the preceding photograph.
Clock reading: 5:35
